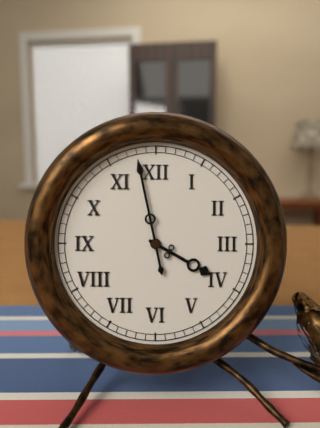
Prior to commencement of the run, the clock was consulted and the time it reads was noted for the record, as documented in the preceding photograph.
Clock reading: 3:58
